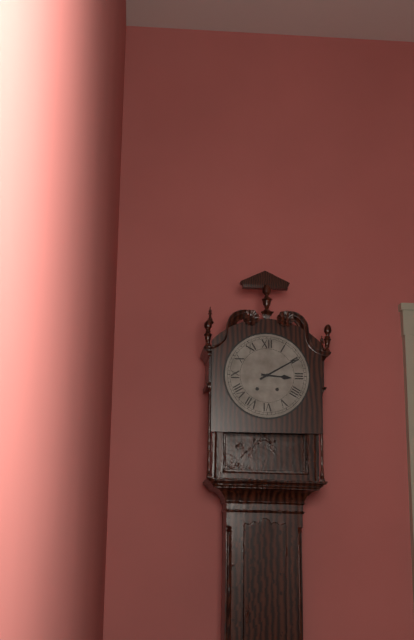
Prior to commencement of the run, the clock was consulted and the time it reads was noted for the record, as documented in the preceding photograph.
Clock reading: 3:10
